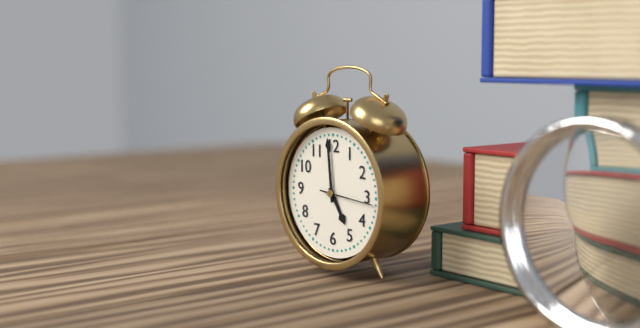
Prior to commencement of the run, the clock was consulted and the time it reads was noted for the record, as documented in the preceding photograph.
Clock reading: 4:59:16
